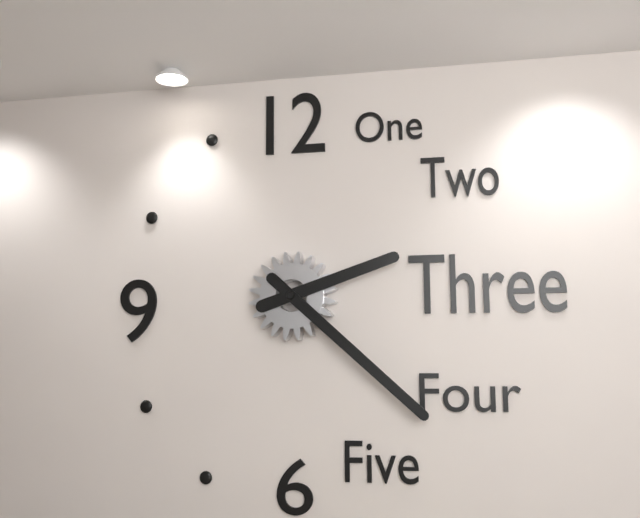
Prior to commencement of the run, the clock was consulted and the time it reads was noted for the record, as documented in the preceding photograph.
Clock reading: 2:22
